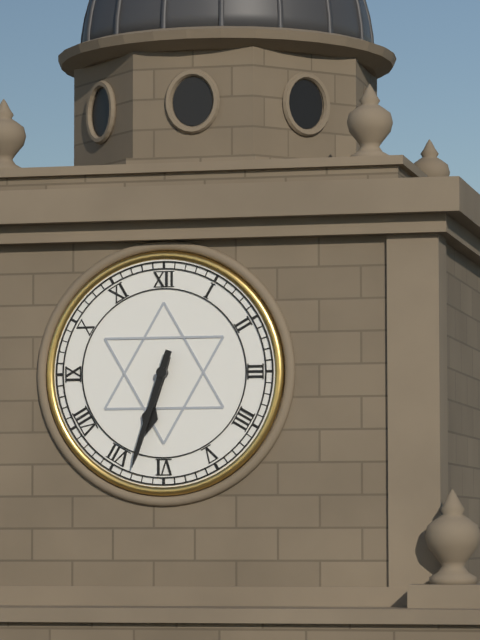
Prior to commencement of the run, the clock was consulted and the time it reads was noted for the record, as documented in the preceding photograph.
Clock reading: 6:33
